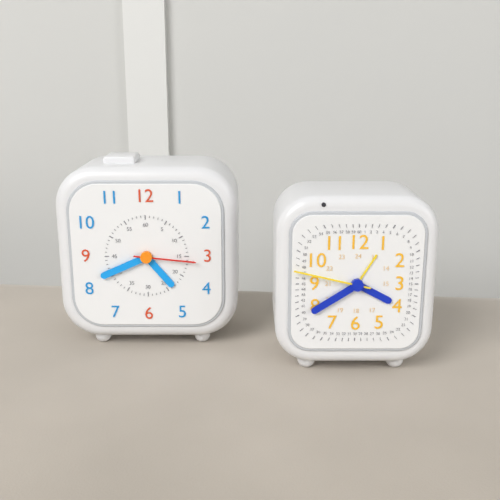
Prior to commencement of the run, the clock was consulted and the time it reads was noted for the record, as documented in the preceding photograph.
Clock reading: 4:41:16
